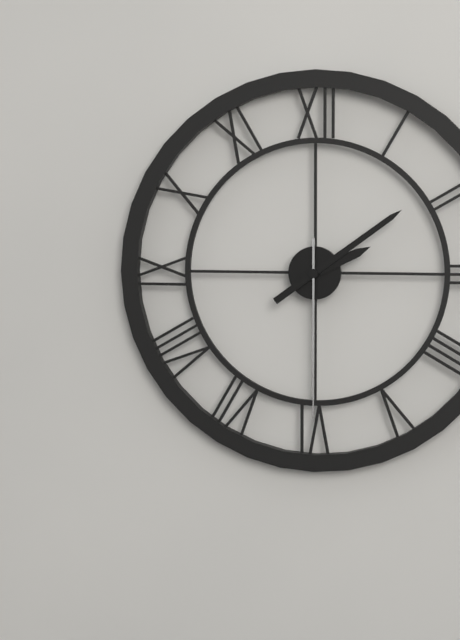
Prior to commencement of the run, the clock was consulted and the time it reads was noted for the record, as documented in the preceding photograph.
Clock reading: 2:09:30
